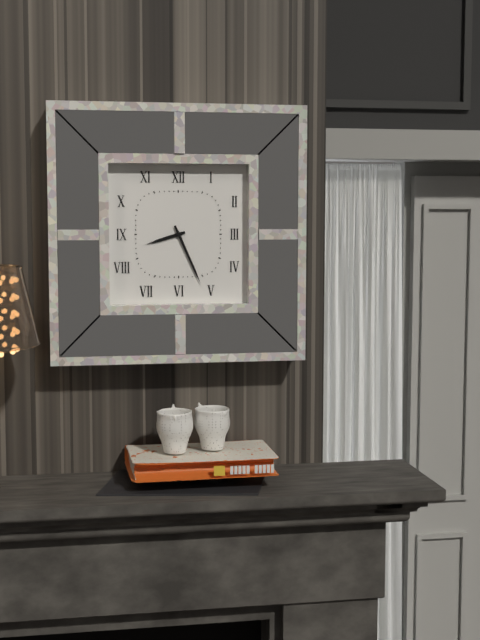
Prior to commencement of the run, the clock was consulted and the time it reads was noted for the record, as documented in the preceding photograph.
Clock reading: 8:26
